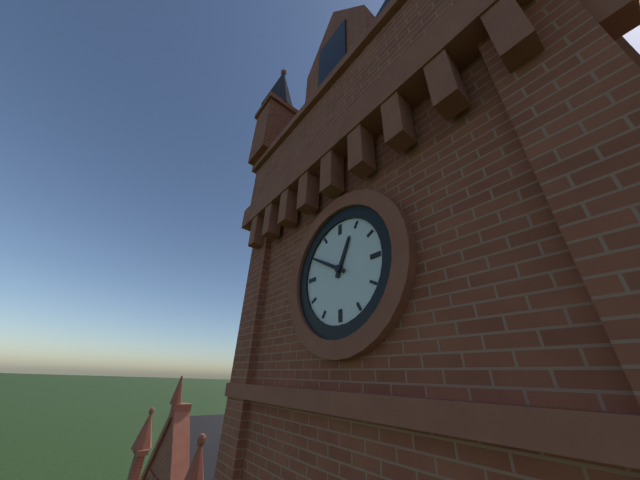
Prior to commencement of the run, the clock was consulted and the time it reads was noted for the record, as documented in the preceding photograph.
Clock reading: 12:50
